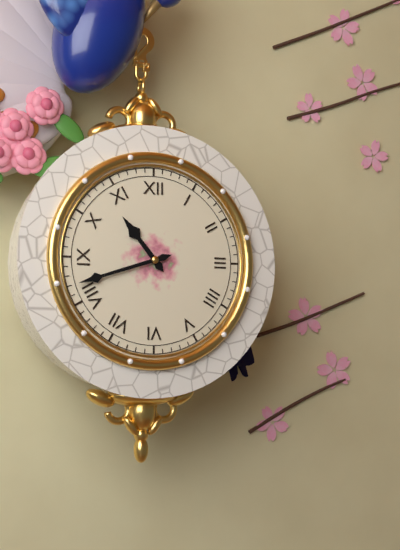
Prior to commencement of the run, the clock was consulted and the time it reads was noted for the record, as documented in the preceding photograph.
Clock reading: 10:42
